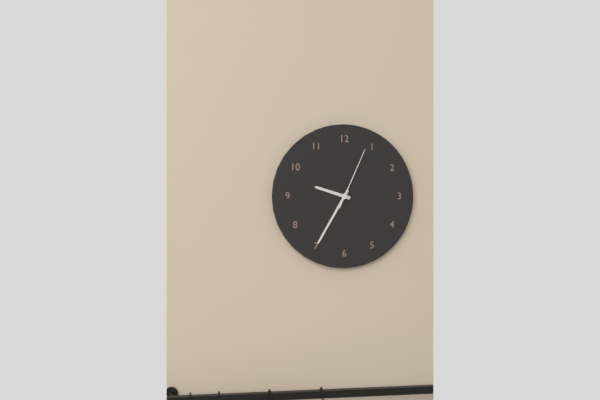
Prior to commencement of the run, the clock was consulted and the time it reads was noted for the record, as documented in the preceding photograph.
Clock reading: 9:35:04
